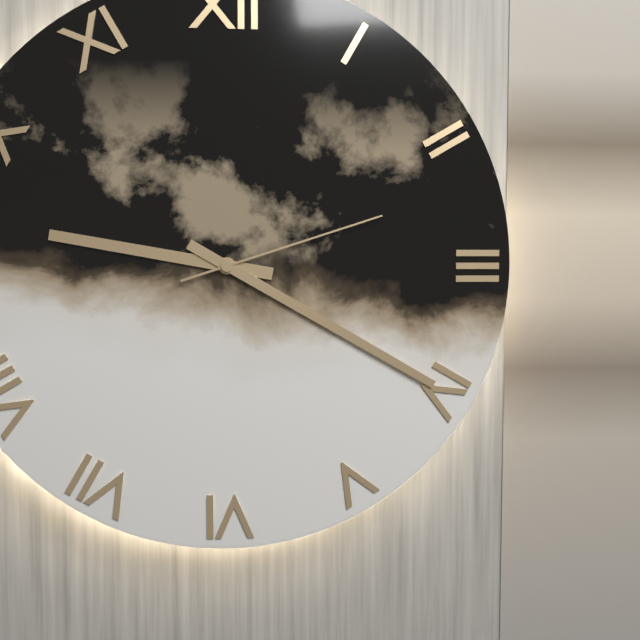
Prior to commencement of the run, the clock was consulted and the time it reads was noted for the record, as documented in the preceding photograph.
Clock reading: 9:20:12
